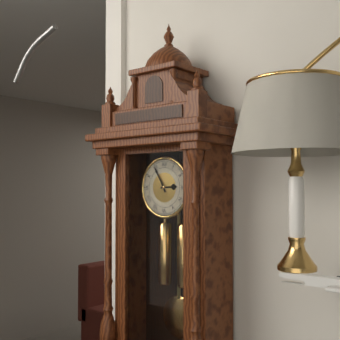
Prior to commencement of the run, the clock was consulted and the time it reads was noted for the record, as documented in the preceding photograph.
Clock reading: 2:55
